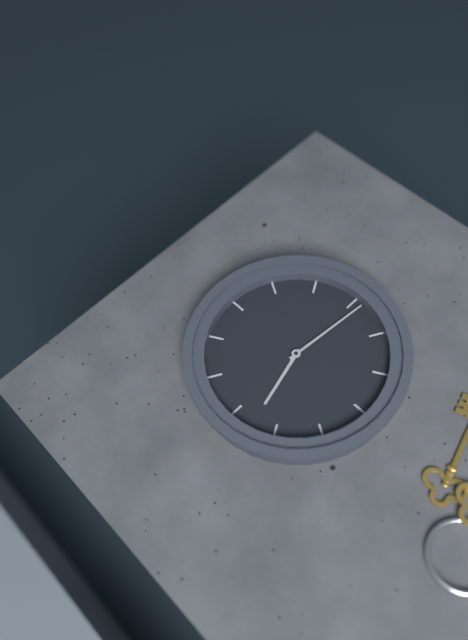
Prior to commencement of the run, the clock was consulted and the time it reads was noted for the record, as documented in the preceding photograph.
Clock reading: 11:31
